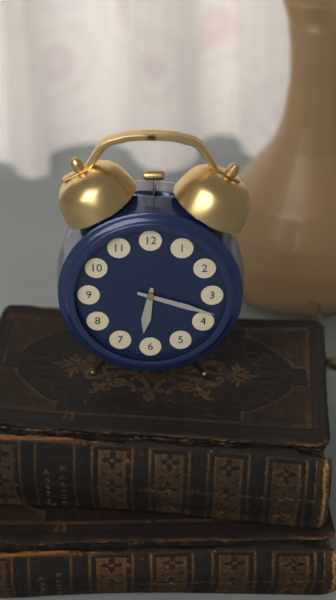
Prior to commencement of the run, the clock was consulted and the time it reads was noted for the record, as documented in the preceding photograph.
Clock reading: 6:18
